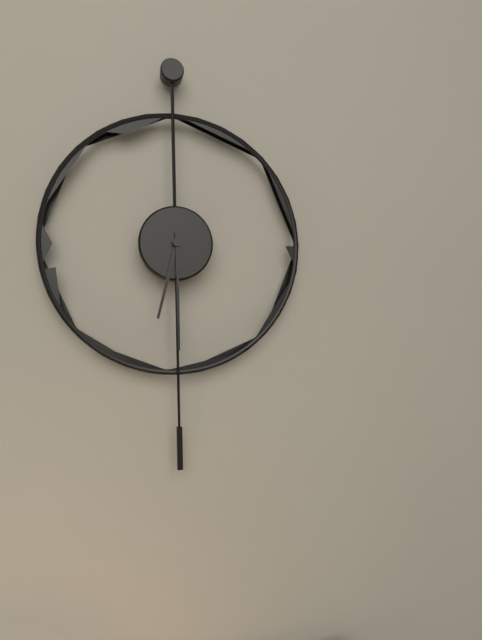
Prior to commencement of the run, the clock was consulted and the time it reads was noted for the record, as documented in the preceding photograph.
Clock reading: 6:30
